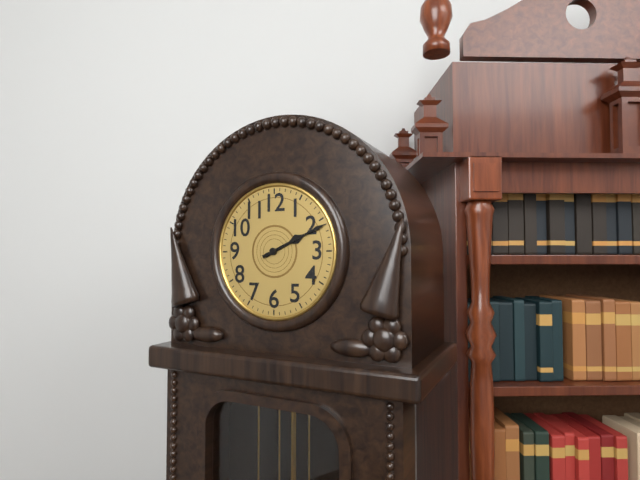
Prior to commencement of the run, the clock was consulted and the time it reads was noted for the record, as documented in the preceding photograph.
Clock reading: 2:11
